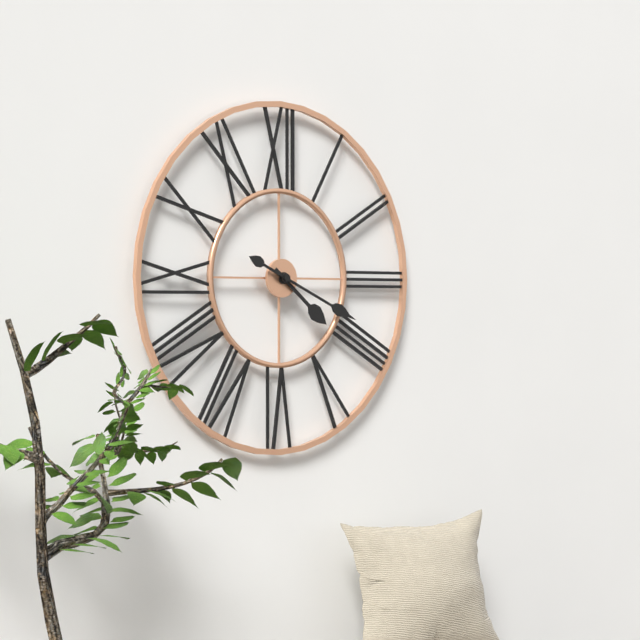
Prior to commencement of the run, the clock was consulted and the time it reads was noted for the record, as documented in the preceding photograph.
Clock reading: 4:19
